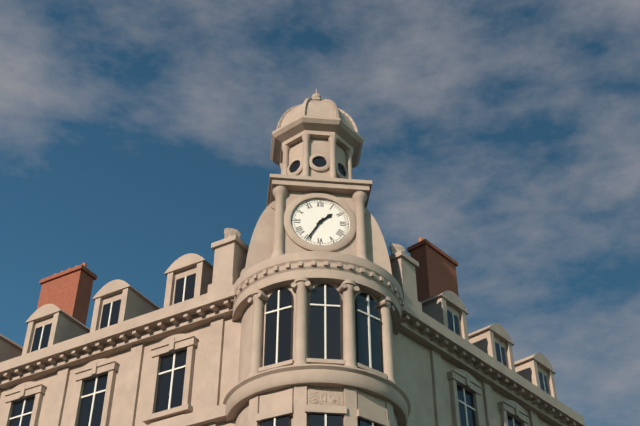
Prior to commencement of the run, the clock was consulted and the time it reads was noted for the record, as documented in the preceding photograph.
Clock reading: 1:35
